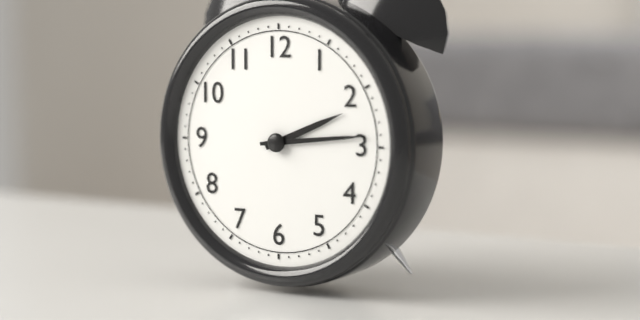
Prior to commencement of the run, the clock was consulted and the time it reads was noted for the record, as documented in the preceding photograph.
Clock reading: 2:14
